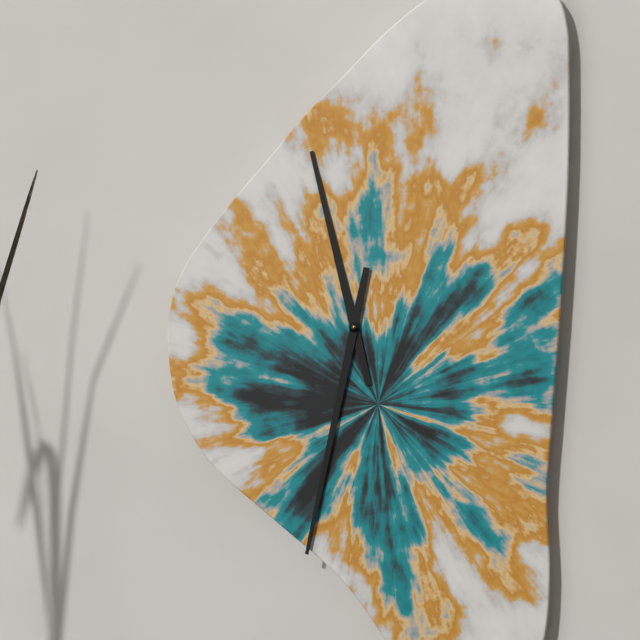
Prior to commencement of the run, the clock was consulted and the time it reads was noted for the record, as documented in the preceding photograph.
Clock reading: 11:32
